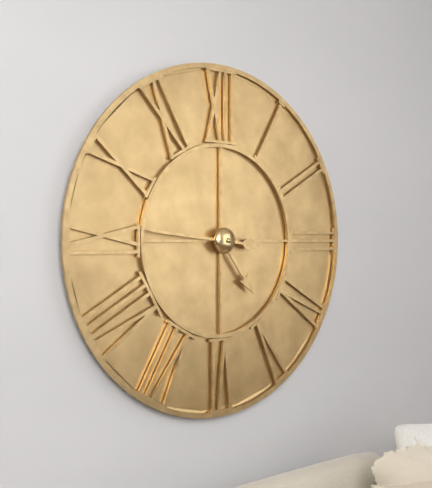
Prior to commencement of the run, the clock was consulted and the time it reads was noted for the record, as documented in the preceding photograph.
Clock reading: 4:46
